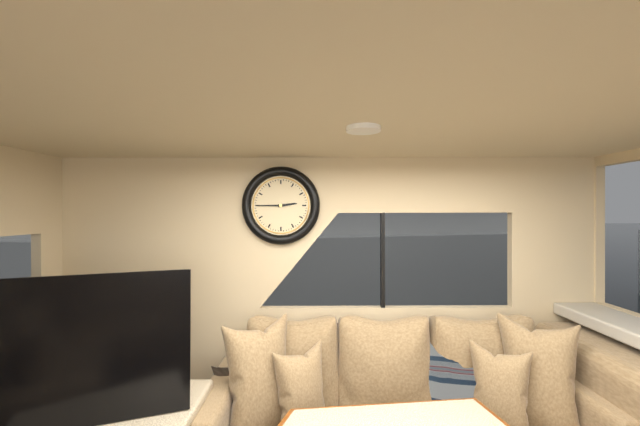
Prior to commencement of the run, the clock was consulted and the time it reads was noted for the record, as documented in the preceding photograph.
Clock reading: 2:45
